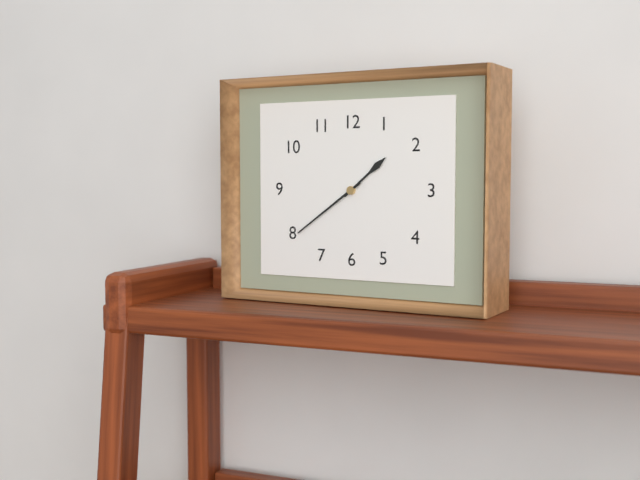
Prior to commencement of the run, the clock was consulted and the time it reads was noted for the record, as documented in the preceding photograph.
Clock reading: 1:39
